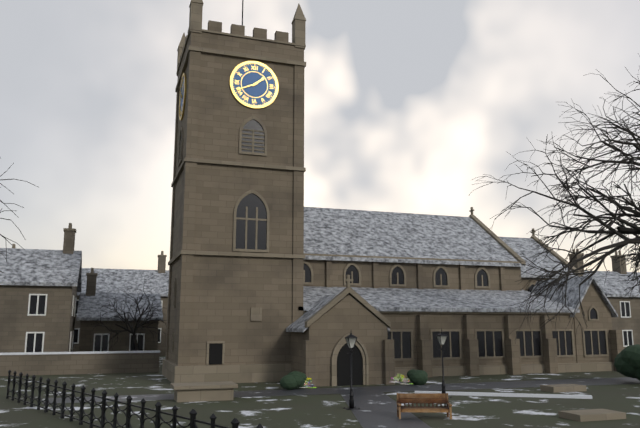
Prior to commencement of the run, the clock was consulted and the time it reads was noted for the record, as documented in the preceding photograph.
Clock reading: 1:41
